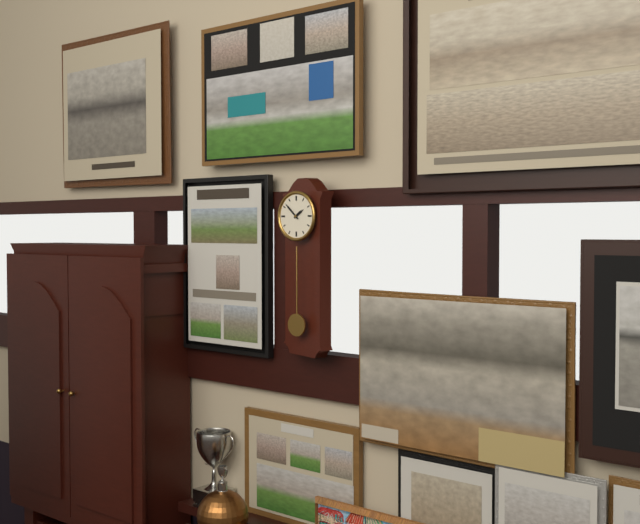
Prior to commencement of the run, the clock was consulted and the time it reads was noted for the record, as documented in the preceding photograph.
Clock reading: 1:52
